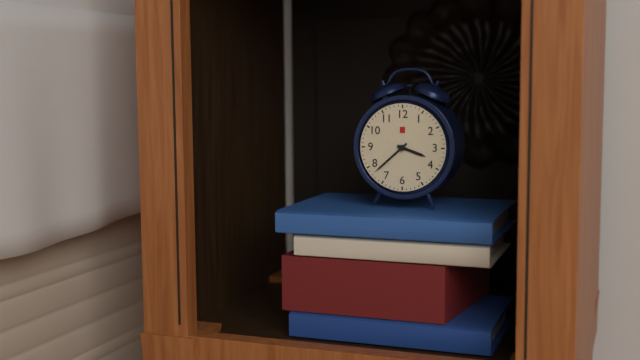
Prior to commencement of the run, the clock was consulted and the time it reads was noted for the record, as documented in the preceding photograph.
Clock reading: 3:38
